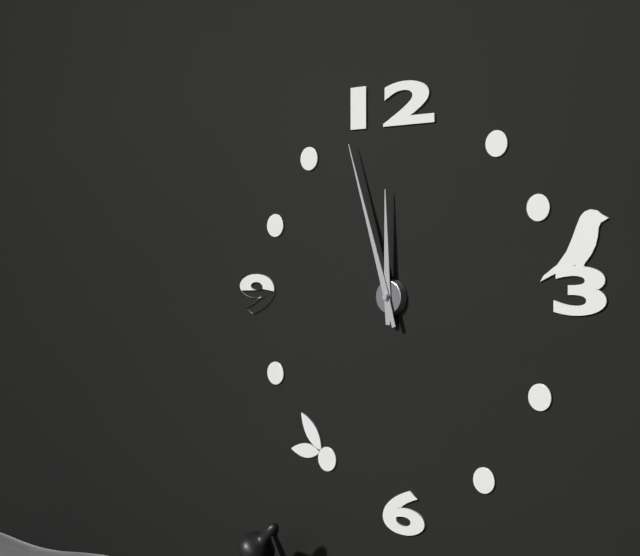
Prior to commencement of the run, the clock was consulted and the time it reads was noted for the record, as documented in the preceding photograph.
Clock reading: 11:57
